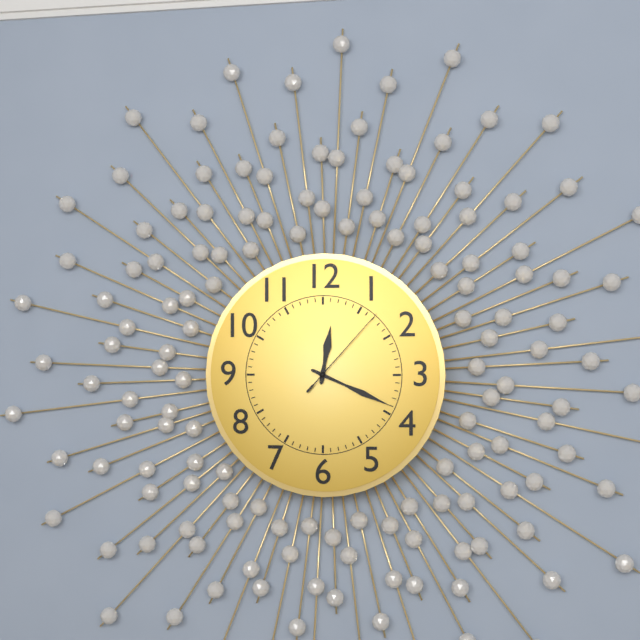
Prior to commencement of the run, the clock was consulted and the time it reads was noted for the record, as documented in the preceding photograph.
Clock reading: 12:19:07
